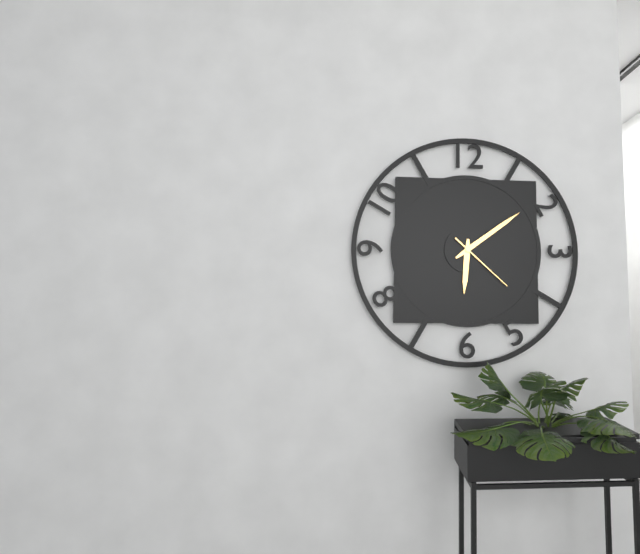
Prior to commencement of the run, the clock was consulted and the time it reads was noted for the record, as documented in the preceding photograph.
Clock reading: 6:09:22
